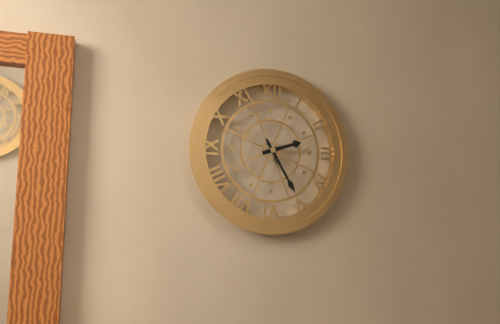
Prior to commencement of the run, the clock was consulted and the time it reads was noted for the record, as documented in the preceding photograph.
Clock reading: 2:25
